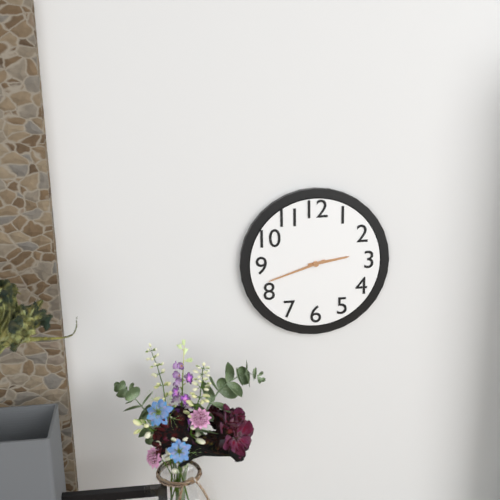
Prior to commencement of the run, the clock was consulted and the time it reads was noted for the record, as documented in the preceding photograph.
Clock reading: 2:42
